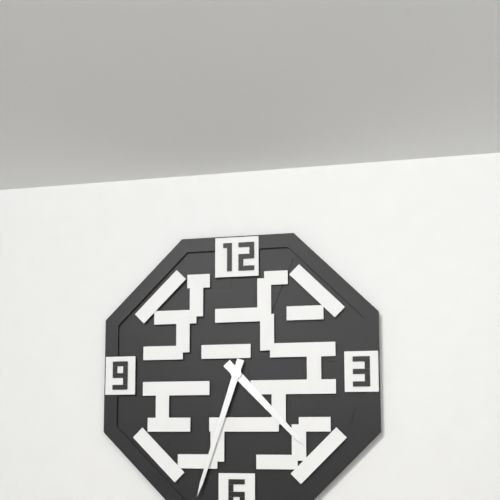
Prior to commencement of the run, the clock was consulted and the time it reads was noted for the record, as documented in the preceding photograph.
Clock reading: 4:33
